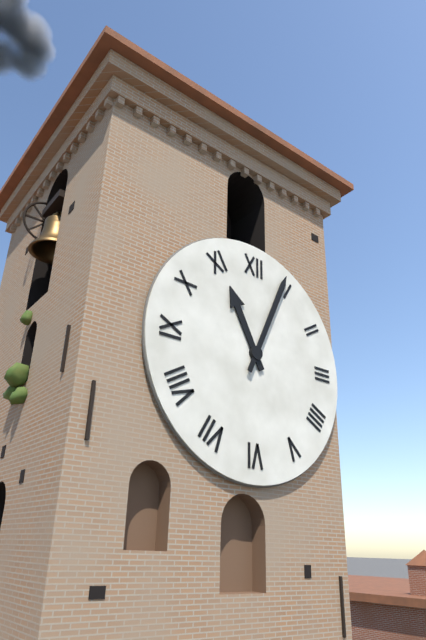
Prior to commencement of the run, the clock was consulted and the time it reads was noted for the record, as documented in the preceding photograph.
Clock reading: 11:04
